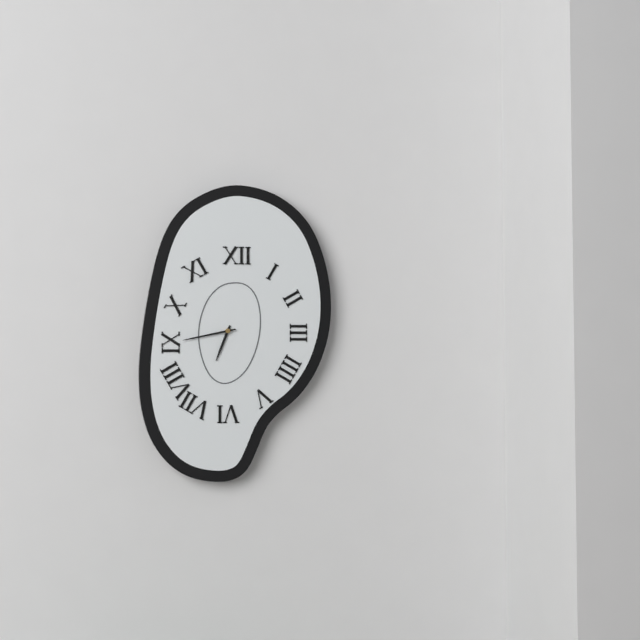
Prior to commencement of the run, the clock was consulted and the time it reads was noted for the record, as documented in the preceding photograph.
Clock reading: 6:43
